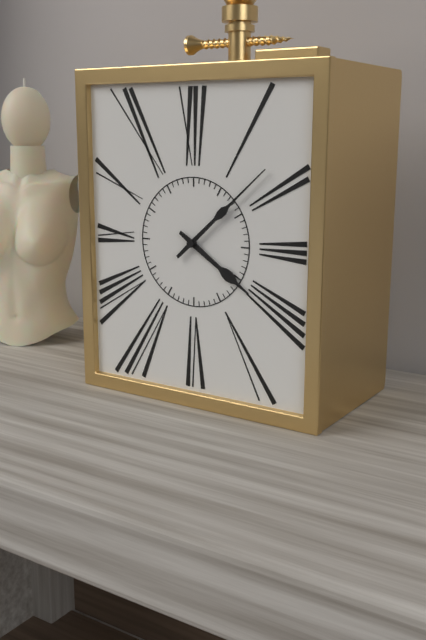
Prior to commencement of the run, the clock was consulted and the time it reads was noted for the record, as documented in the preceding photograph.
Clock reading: 4:08
